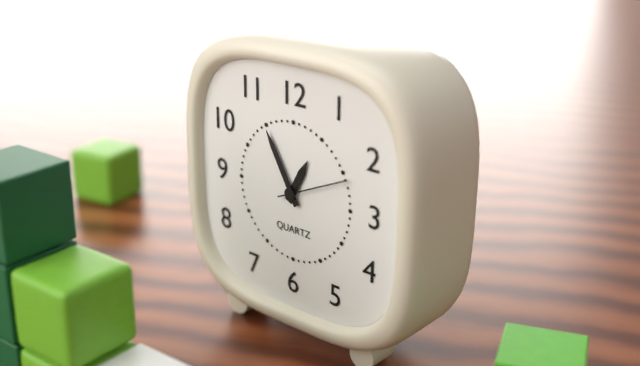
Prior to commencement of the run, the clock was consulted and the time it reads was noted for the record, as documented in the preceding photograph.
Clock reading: 12:55:11
